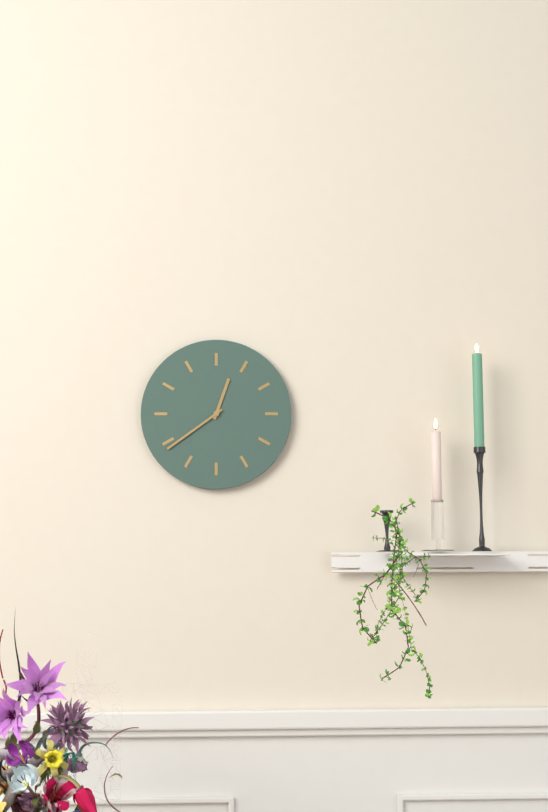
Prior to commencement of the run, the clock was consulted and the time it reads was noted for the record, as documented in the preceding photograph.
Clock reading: 12:39
